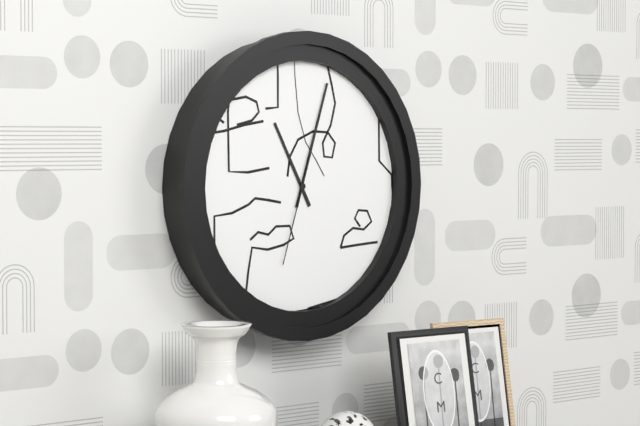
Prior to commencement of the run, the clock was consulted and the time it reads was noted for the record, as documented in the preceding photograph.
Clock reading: 11:03:33
